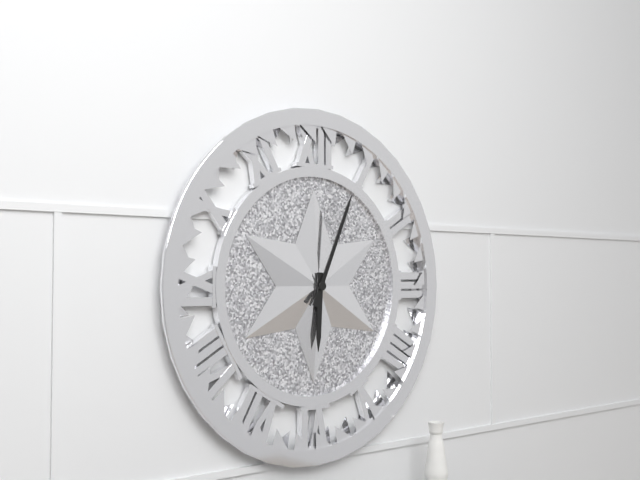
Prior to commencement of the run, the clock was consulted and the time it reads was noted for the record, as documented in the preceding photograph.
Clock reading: 6:04
